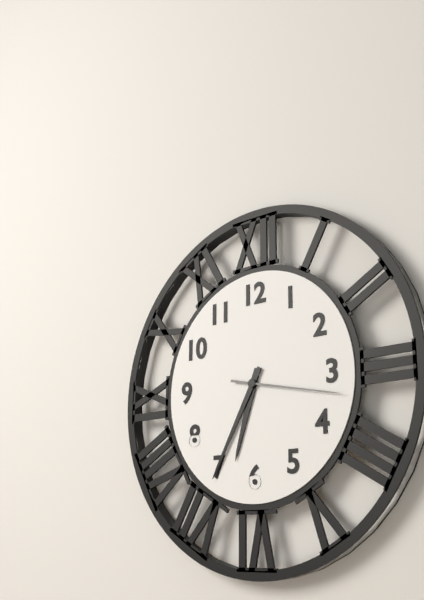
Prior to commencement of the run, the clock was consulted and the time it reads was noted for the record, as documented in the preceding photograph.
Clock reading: 6:35:17
